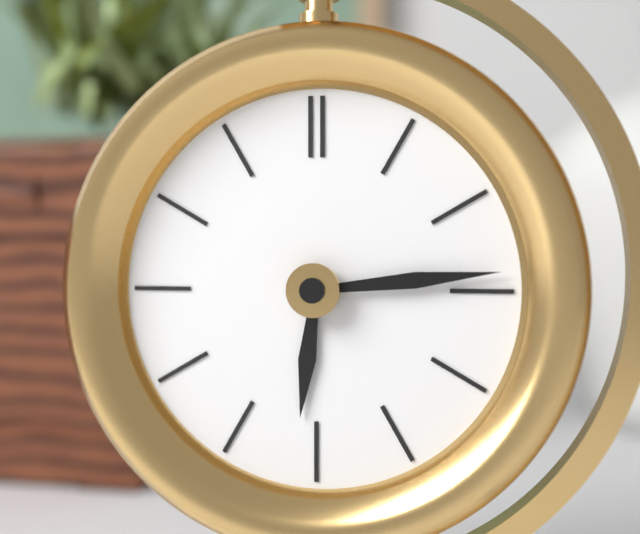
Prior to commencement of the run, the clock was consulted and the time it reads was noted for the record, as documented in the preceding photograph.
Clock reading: 6:14
